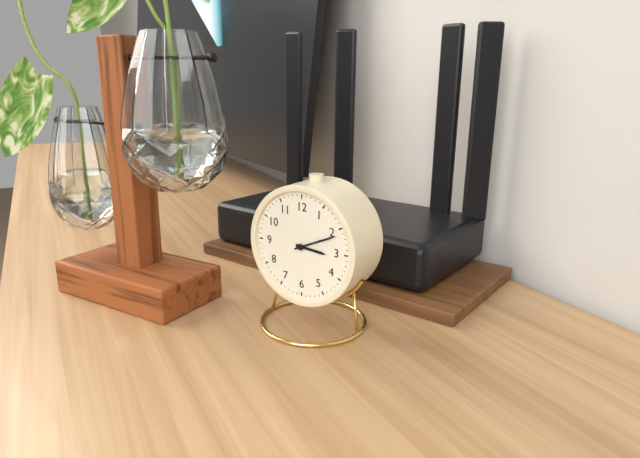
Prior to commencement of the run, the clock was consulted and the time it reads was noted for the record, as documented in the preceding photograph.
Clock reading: 3:11
